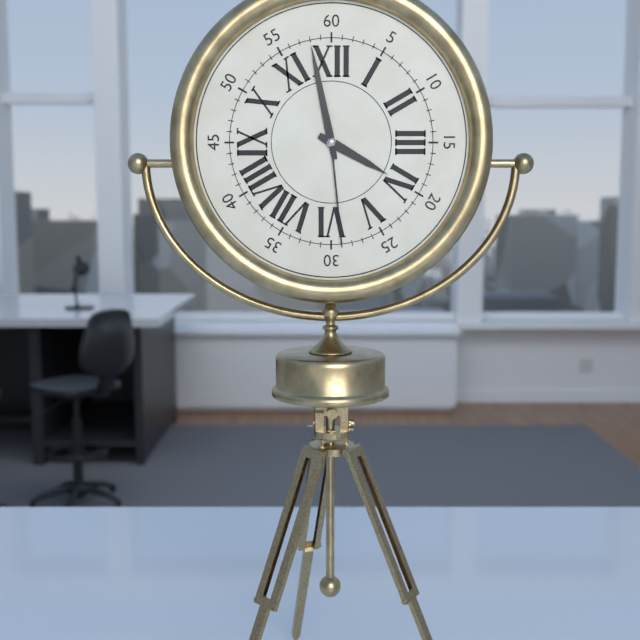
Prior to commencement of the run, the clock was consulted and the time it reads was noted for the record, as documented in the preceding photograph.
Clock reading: 3:58:29
